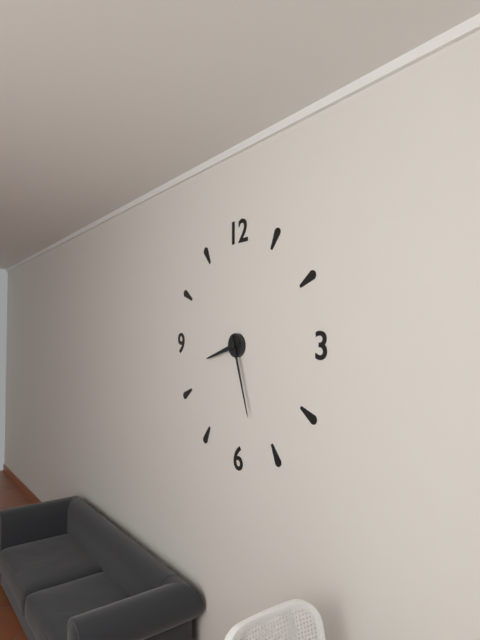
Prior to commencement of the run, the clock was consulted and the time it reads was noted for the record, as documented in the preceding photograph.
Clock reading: 8:27
